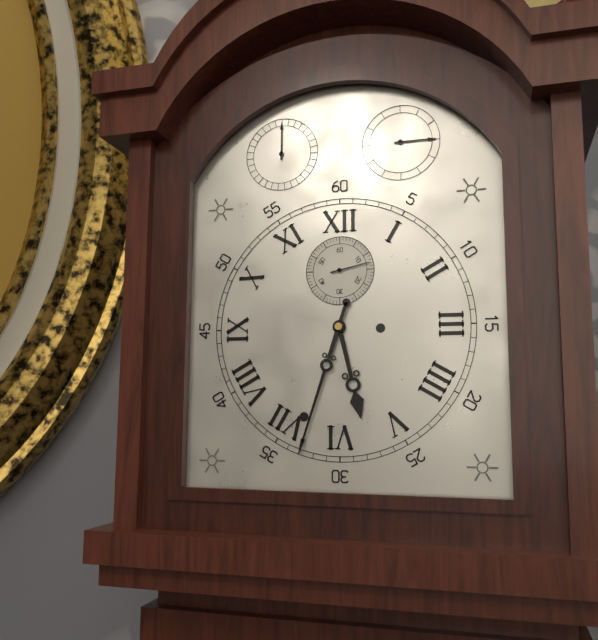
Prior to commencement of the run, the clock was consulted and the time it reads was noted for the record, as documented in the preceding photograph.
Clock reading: 5:33
